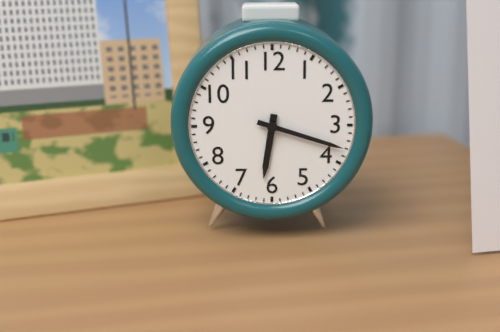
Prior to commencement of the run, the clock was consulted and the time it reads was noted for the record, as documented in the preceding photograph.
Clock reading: 6:18
